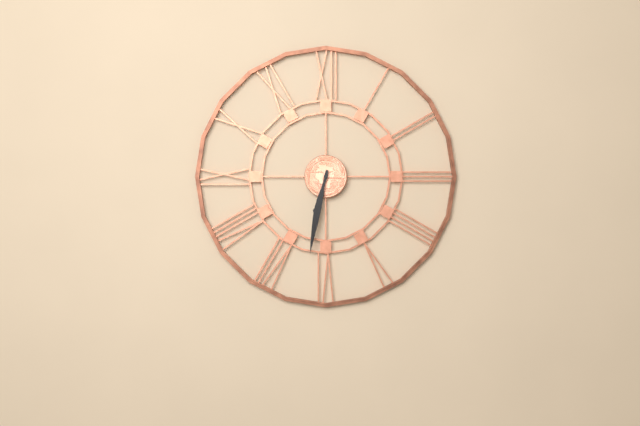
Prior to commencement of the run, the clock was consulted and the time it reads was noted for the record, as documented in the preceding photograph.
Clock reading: 6:32
